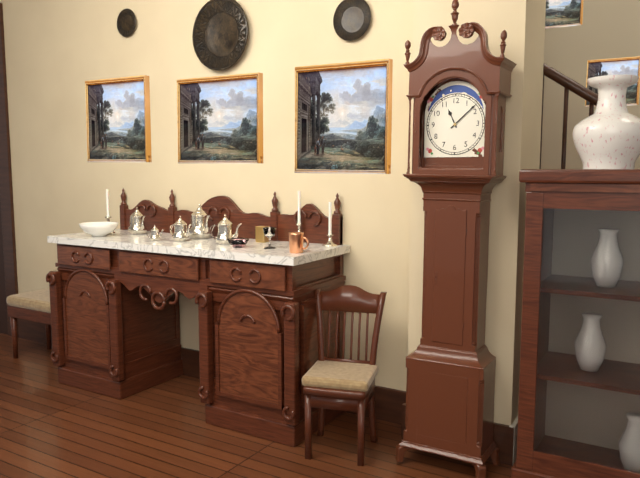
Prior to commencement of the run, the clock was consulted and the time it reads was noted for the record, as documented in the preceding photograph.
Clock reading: 11:08
